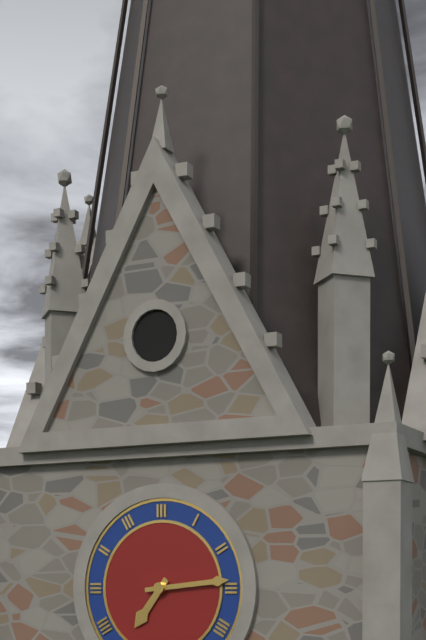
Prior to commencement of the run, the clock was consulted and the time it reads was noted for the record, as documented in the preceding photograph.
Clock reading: 7:14
